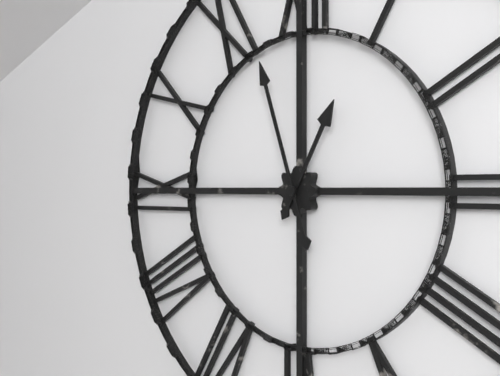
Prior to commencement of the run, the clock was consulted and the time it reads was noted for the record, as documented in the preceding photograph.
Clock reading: 12:57
